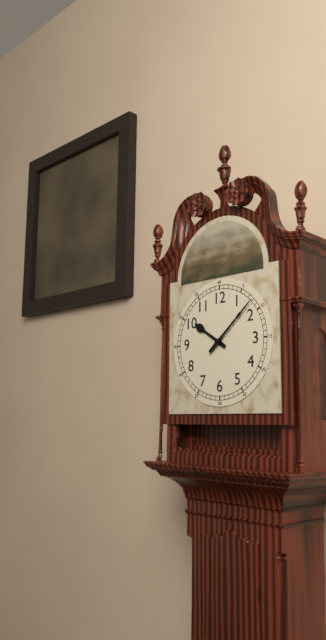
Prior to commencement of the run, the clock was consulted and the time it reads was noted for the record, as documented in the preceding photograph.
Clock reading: 10:08
